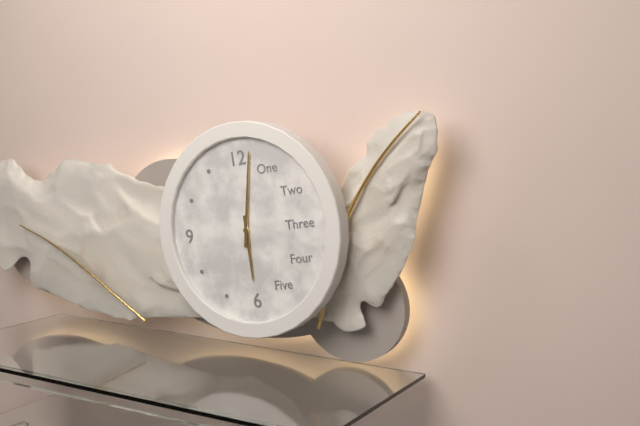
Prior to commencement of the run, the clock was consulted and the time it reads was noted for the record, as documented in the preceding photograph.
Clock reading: 6:02
